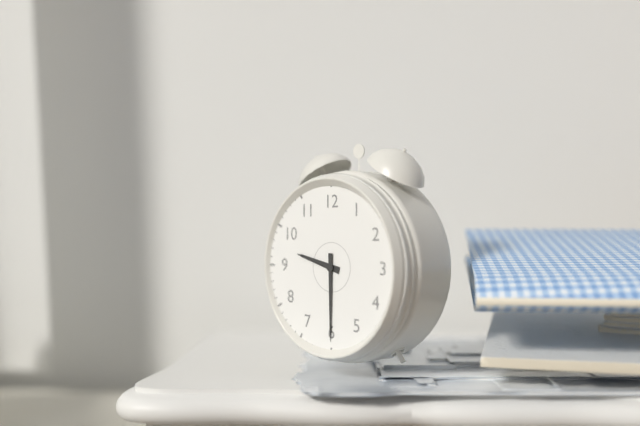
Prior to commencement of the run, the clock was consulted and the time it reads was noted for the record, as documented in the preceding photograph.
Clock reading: 9:30
